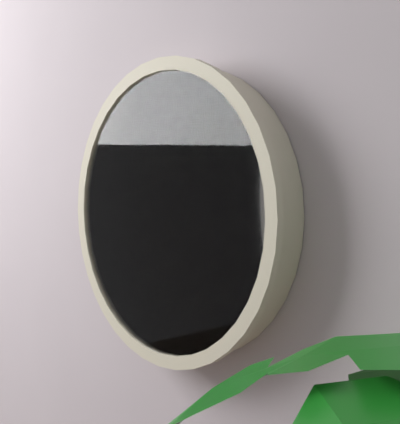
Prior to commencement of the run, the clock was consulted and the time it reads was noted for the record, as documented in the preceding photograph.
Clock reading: 10:43:02
